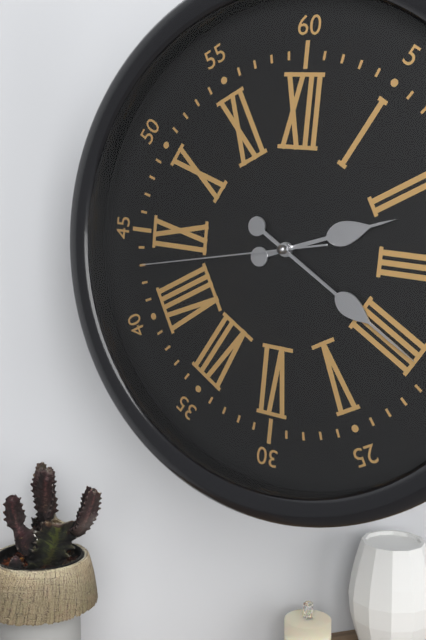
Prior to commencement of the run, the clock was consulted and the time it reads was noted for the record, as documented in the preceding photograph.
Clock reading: 2:20:43
